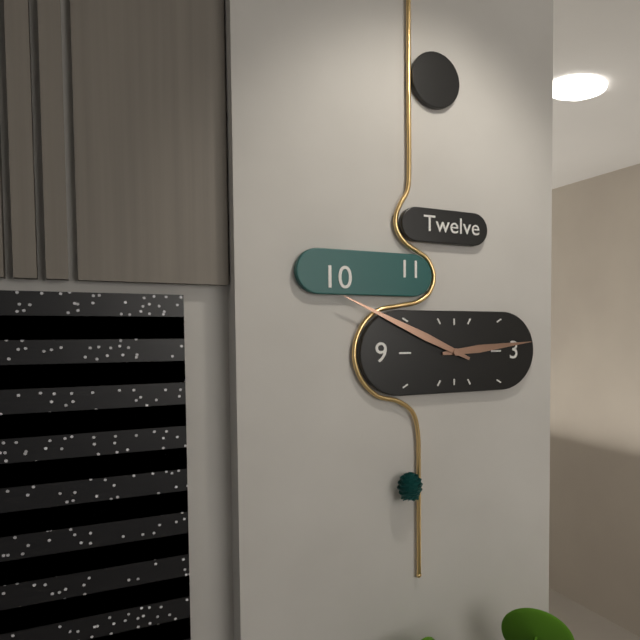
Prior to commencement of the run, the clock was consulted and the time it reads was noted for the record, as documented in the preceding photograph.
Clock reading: 2:49
